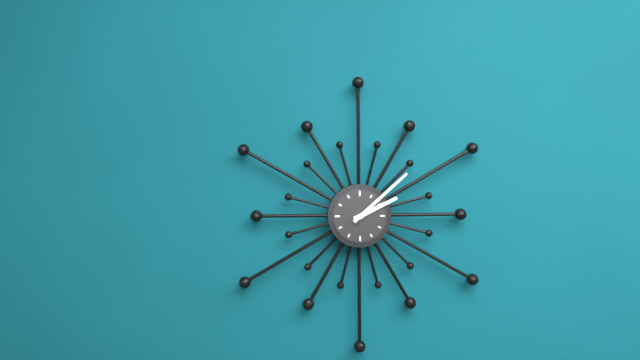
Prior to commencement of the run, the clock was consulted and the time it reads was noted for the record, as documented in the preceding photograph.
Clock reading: 2:08
